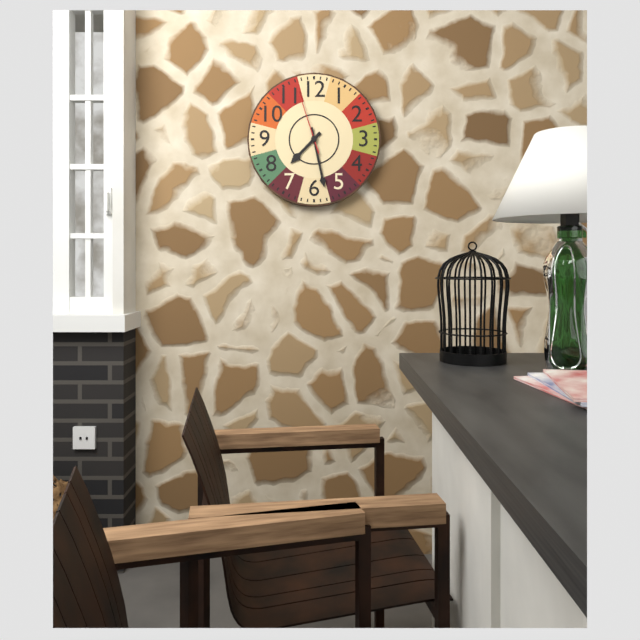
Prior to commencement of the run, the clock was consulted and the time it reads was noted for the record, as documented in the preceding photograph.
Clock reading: 7:28:57
